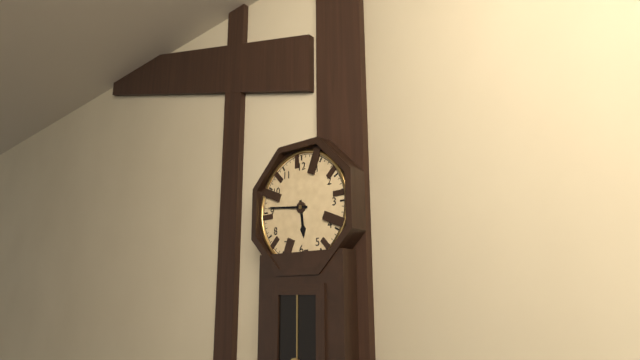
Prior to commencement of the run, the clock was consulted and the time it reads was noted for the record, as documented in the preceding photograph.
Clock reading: 5:46
